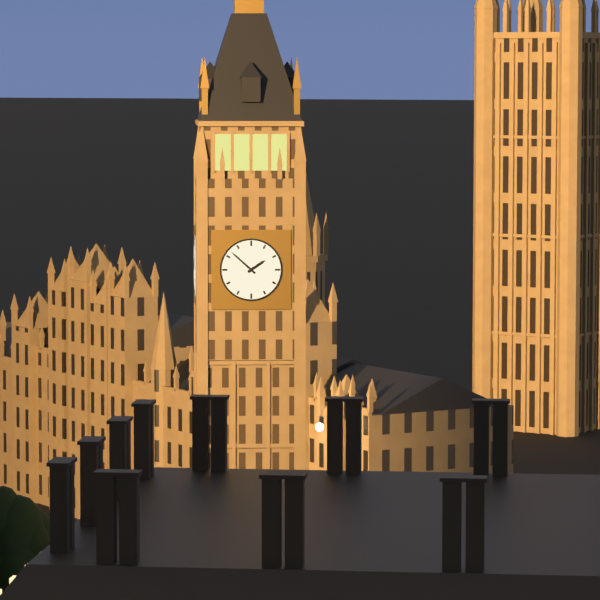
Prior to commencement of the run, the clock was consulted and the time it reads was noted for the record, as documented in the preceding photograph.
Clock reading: 1:52
